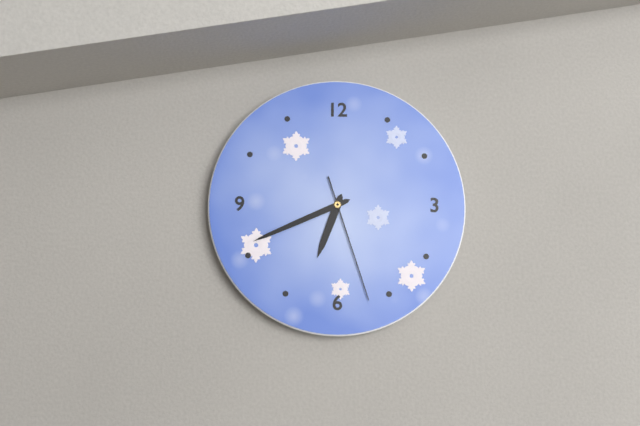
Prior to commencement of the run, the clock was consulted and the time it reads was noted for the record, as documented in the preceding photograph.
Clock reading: 6:41:27
